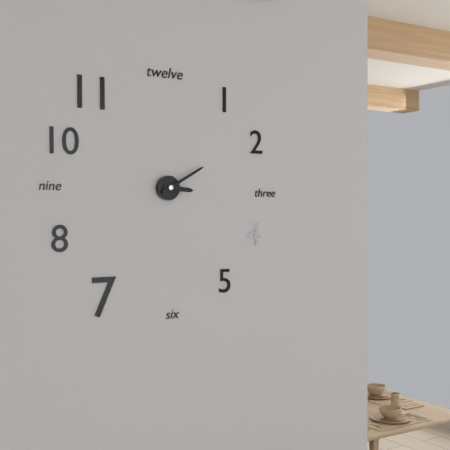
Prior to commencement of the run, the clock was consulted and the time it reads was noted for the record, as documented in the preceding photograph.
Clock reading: 3:10
